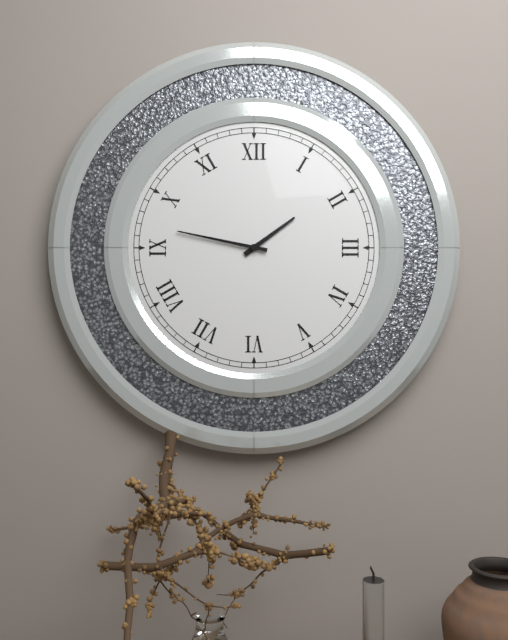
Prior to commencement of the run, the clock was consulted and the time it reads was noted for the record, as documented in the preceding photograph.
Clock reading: 1:47
